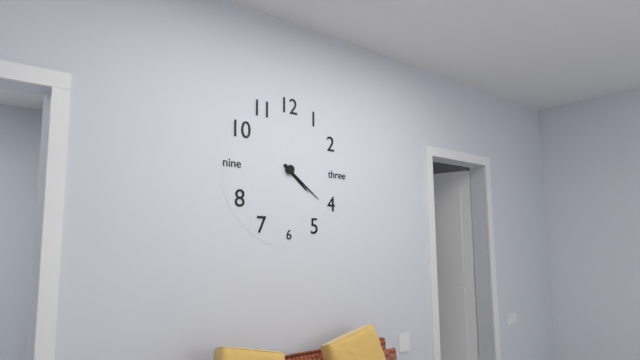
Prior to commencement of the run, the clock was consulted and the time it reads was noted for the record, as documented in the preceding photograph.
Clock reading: 4:21
